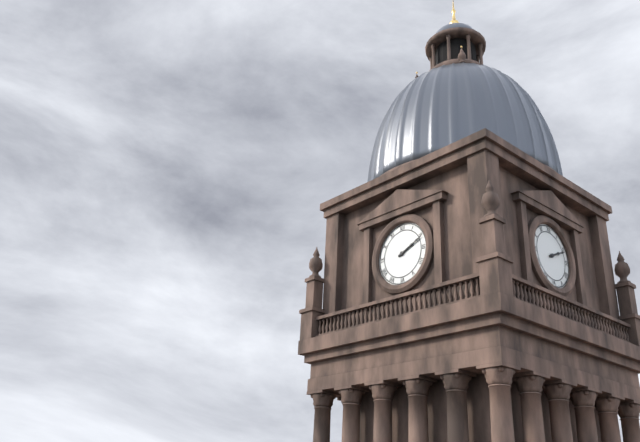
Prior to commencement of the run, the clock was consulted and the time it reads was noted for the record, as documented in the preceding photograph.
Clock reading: 2:11
